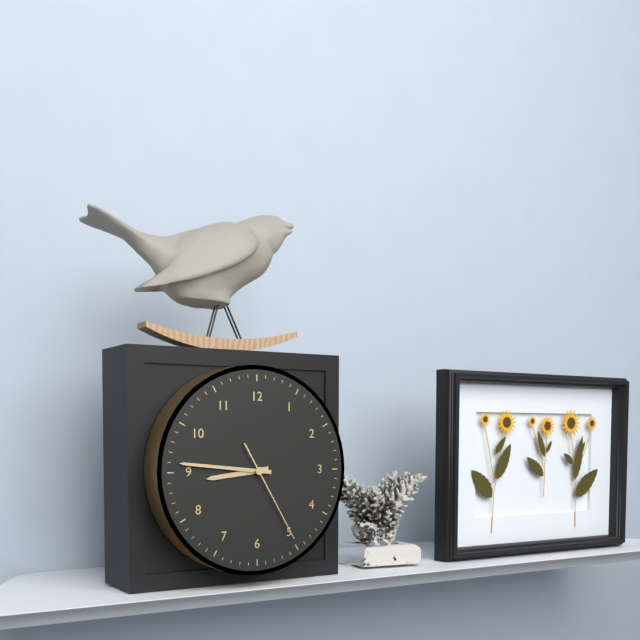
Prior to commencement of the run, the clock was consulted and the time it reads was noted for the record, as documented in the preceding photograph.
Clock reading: 8:46:25
